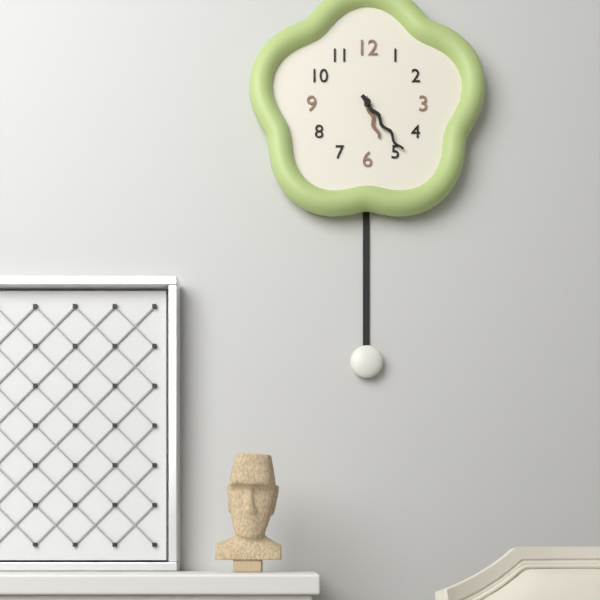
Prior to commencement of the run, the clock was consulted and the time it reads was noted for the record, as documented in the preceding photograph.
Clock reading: 5:24
